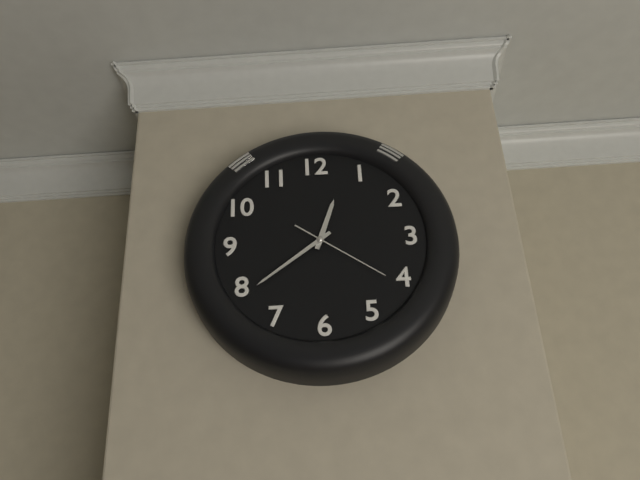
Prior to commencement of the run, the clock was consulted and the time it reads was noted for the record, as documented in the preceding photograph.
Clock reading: 12:39:21
